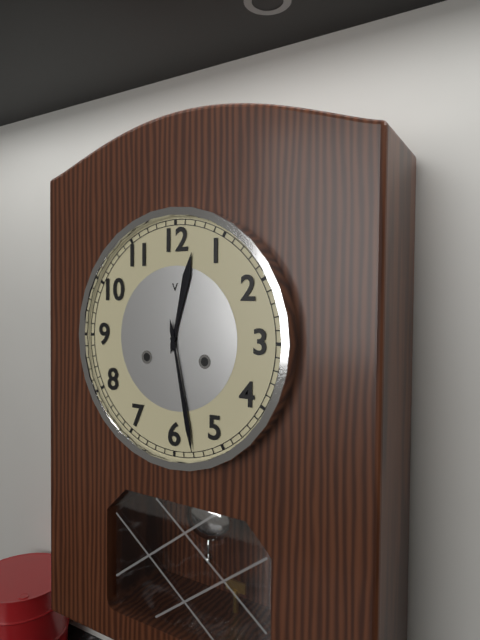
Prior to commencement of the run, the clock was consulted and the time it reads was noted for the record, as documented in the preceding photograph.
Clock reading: 12:28
